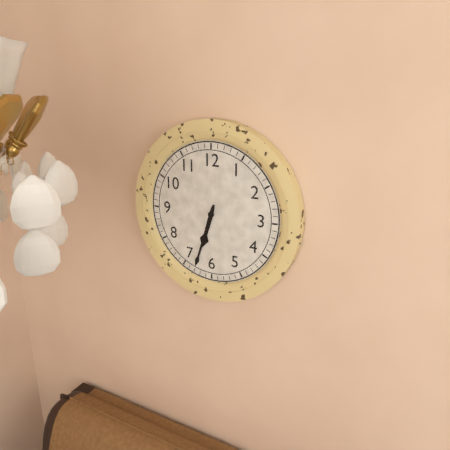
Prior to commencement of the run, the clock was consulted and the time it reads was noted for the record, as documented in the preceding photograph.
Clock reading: 6:33
